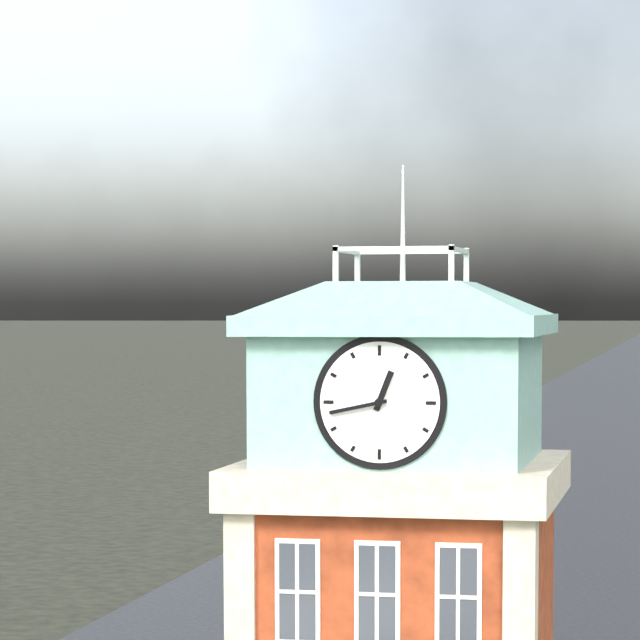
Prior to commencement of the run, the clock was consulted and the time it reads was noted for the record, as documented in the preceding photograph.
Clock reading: 12:43
